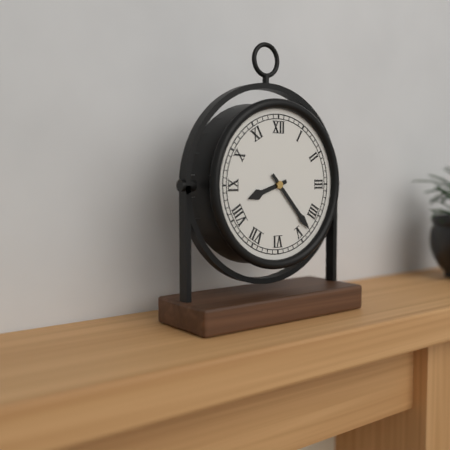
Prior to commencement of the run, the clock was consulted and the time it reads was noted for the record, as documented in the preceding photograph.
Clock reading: 8:23
